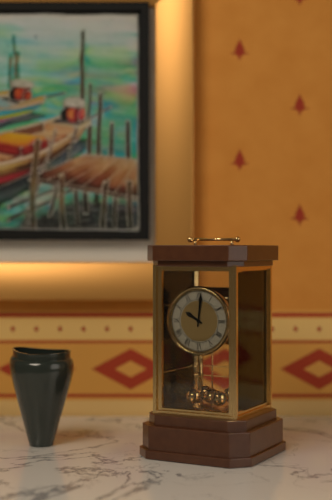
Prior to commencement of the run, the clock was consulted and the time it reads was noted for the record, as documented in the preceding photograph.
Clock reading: 10:01
